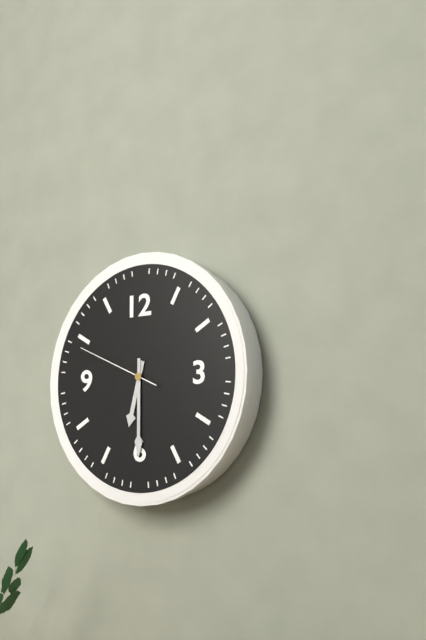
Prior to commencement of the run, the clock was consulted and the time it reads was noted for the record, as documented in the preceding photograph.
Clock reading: 6:30:49
